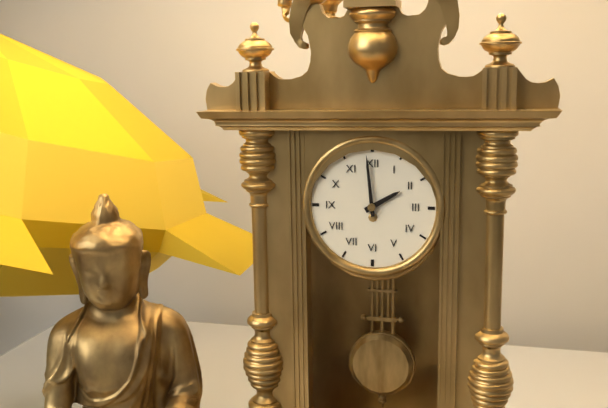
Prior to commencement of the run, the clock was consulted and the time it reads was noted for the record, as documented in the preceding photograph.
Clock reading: 1:59
